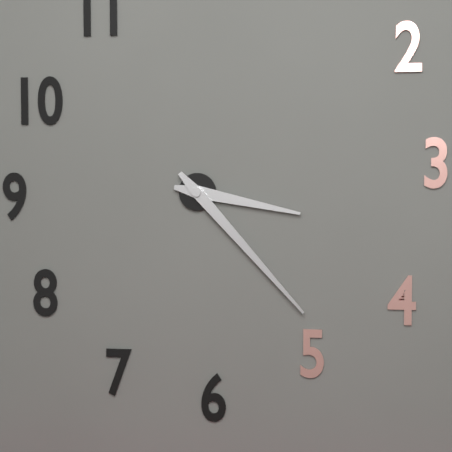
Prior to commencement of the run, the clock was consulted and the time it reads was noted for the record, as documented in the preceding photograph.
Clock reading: 3:23
